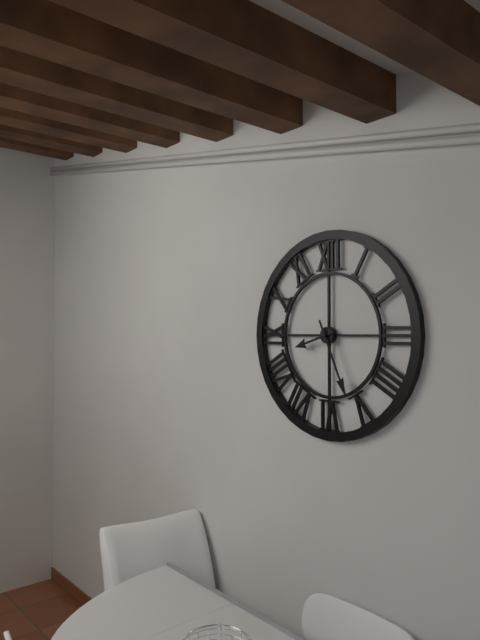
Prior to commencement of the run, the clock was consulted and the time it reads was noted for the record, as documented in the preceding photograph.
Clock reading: 8:26
